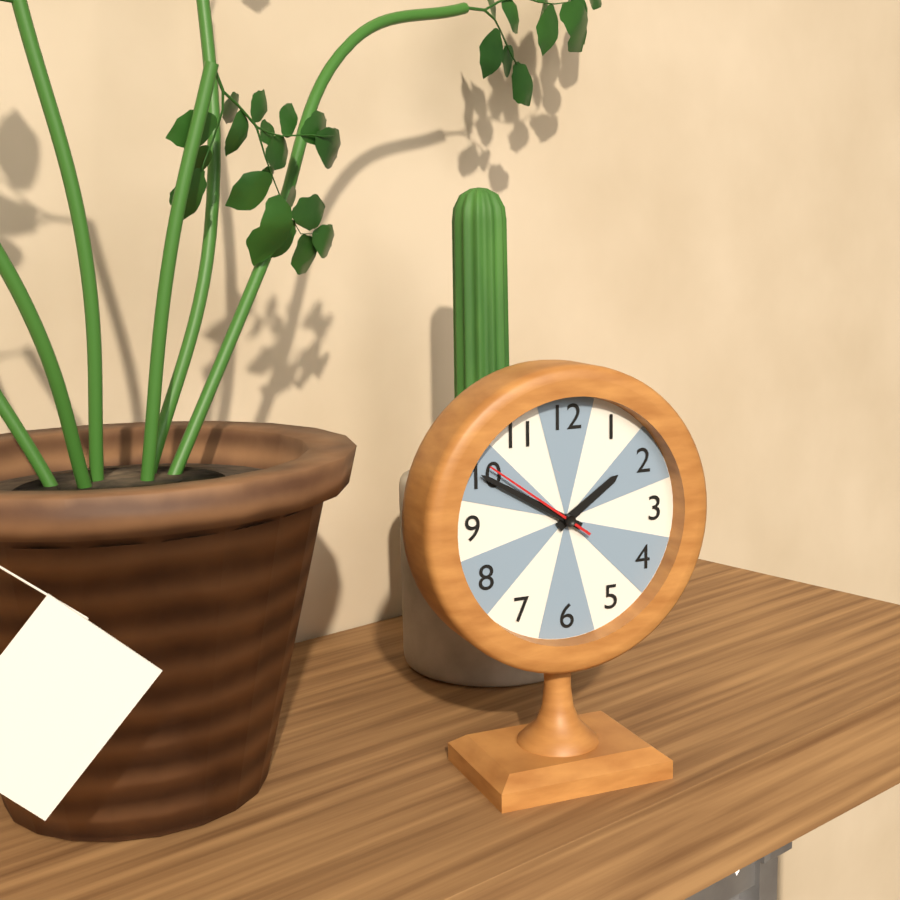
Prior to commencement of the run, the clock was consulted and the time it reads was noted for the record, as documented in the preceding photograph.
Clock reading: 1:50:51
